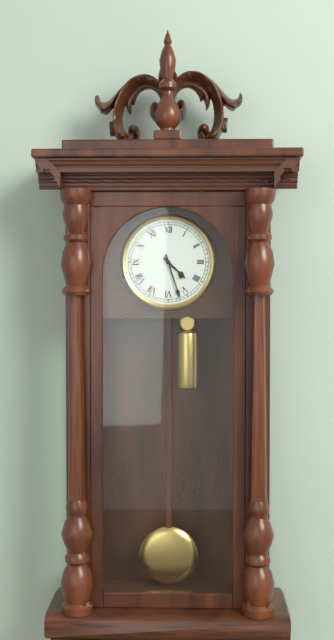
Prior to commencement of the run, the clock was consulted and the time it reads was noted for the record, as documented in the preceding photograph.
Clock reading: 4:27
